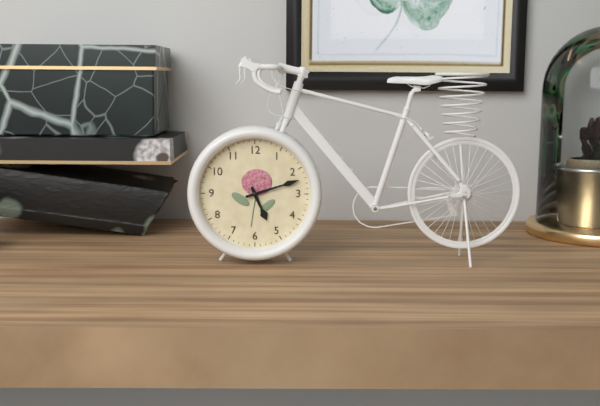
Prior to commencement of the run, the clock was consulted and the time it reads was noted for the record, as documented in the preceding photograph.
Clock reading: 5:12
